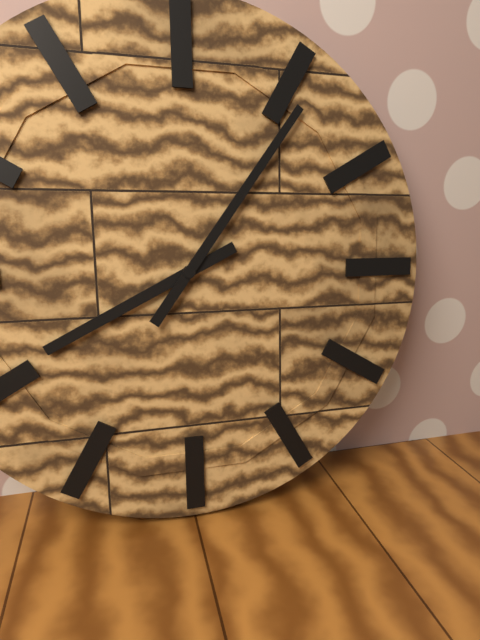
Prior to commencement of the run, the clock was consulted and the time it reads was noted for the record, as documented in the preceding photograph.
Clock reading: 8:06
